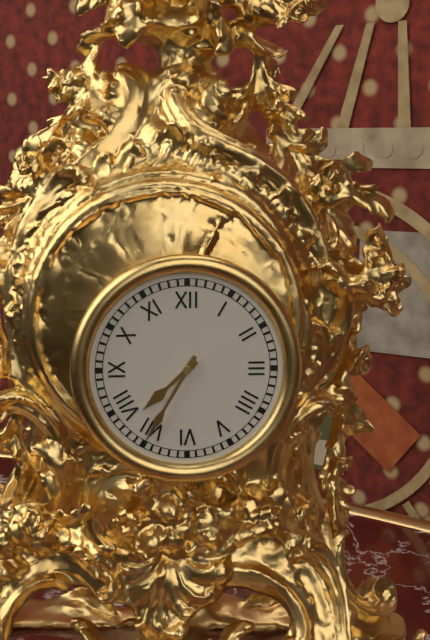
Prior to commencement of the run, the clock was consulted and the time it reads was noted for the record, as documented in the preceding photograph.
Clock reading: 7:35
